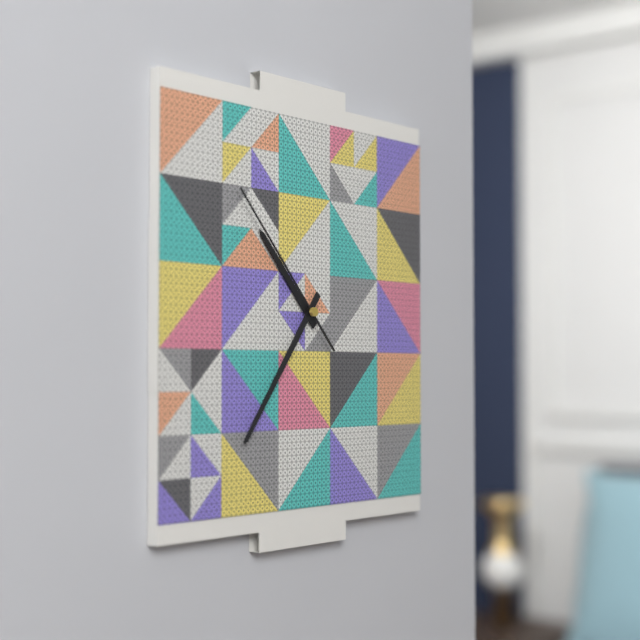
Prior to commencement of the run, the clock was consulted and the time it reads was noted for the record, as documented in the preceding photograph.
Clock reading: 10:36:53
